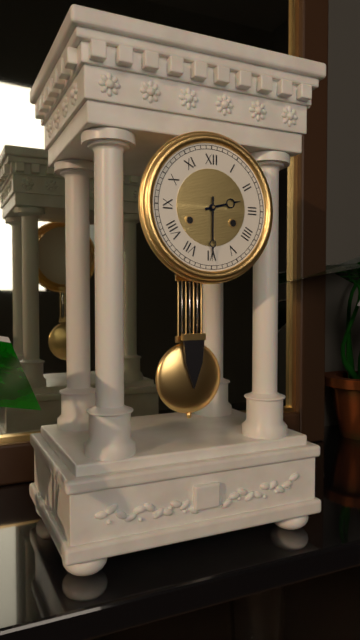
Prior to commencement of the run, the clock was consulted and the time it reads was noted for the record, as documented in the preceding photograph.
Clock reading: 2:30
